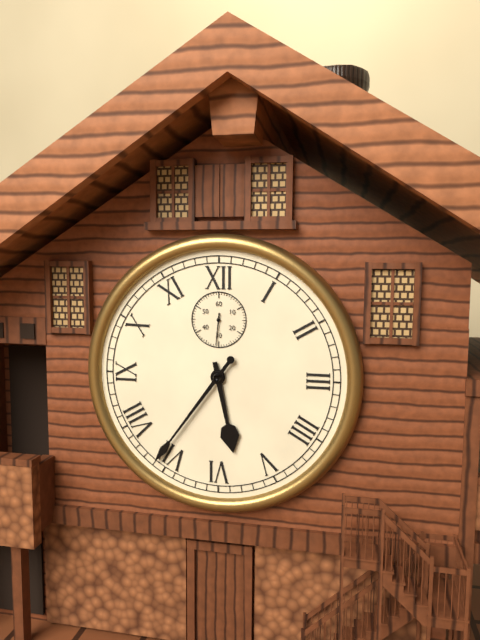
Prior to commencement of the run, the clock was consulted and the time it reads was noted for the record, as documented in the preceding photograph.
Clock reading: 5:36
